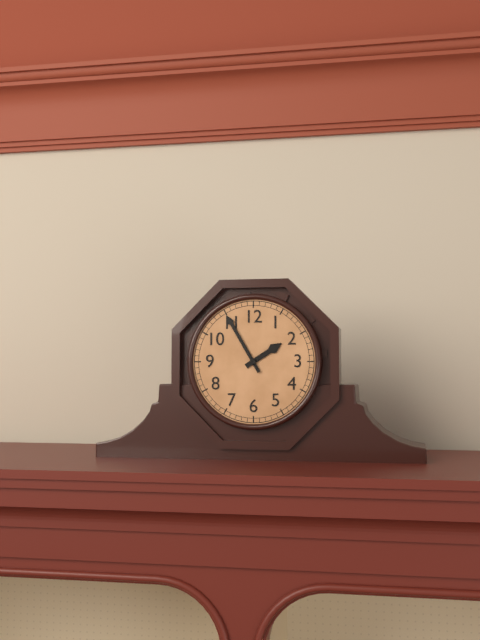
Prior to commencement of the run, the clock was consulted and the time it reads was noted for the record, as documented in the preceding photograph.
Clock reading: 1:55
